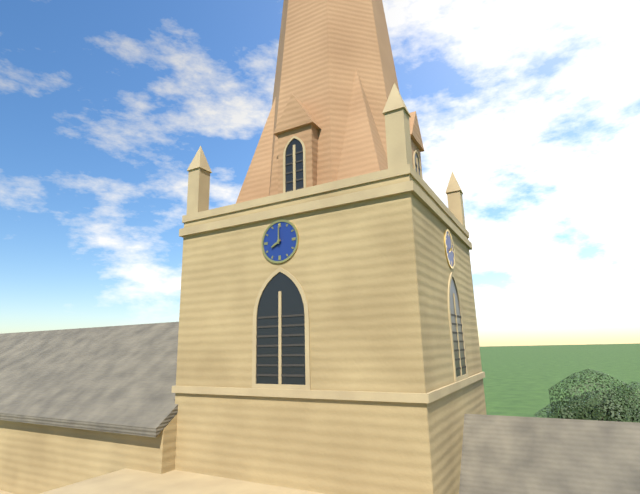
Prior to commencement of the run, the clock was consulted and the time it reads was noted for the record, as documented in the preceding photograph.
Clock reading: 8:00
